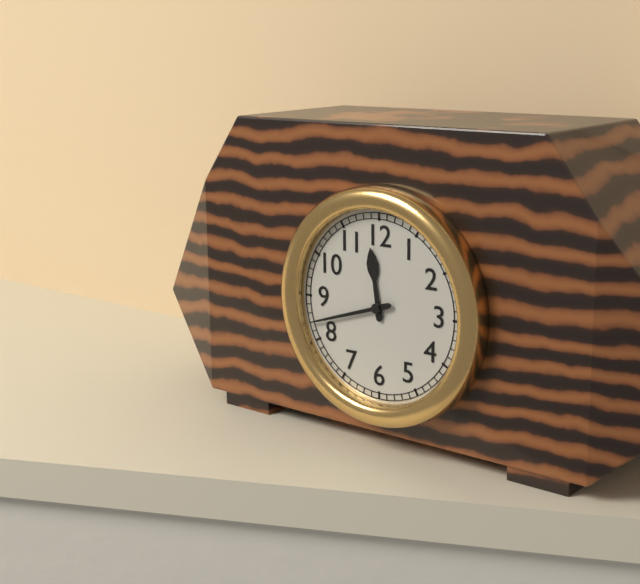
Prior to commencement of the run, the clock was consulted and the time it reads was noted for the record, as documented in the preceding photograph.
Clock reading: 11:42
